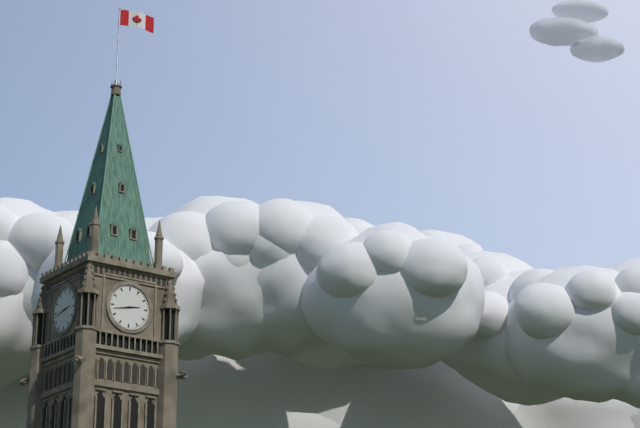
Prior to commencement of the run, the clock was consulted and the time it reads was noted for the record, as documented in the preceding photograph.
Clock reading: 2:43
